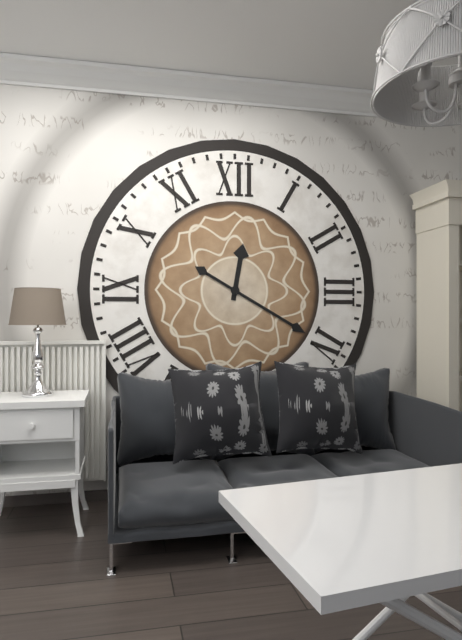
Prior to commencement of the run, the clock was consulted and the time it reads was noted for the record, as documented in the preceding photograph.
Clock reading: 12:20
